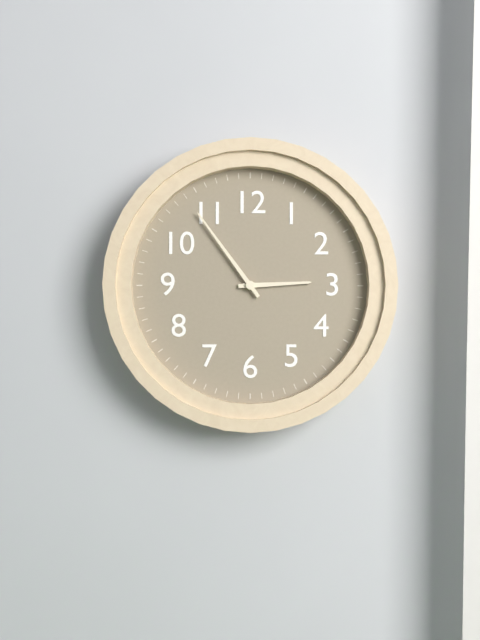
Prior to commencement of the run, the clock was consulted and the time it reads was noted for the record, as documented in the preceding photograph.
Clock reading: 2:54
